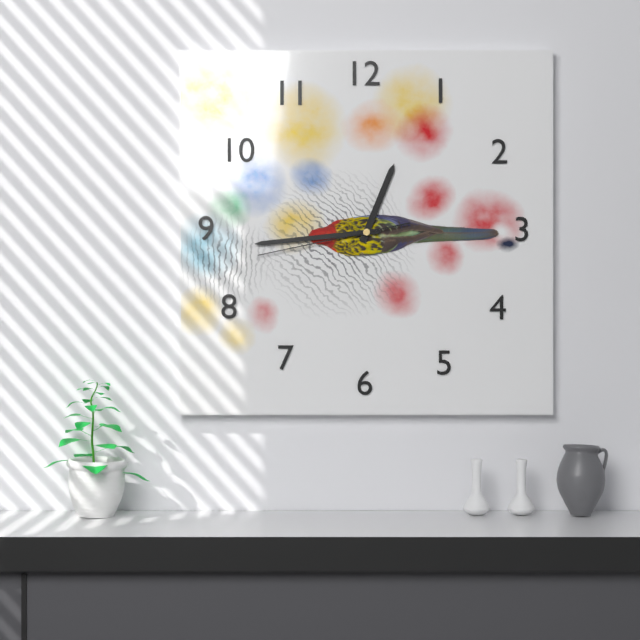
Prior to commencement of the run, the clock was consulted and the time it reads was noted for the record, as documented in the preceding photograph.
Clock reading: 12:44:43
